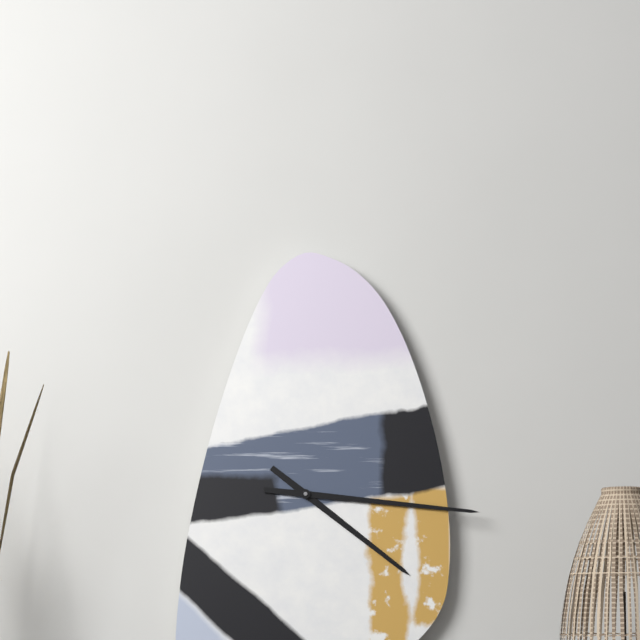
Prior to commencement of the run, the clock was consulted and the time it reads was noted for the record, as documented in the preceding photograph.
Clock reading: 4:16
